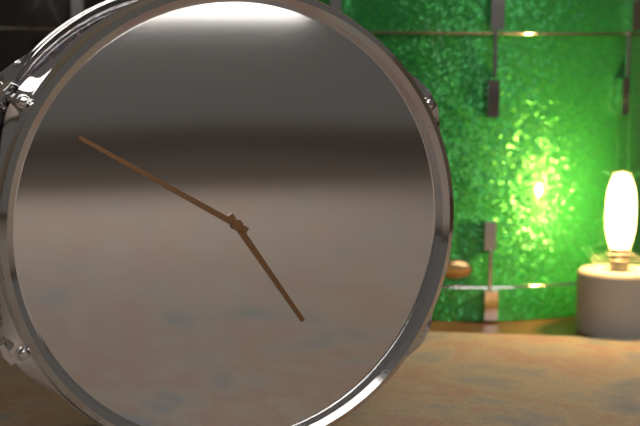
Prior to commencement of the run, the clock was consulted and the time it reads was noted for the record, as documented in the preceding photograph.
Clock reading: 4:50
